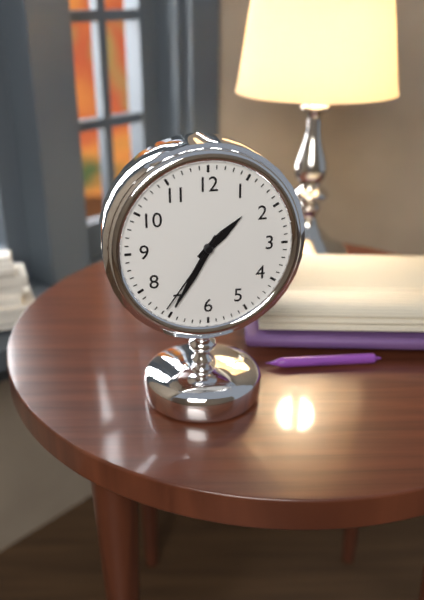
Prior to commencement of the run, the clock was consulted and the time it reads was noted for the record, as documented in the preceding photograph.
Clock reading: 1:35:36
